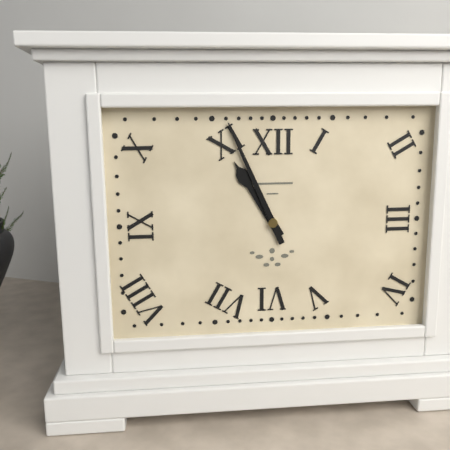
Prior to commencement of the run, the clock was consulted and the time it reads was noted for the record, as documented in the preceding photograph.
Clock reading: 10:56
